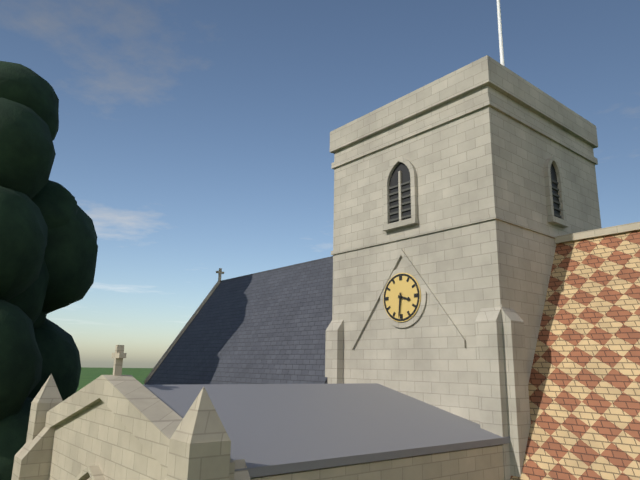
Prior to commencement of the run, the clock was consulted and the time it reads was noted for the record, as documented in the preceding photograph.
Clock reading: 3:31
